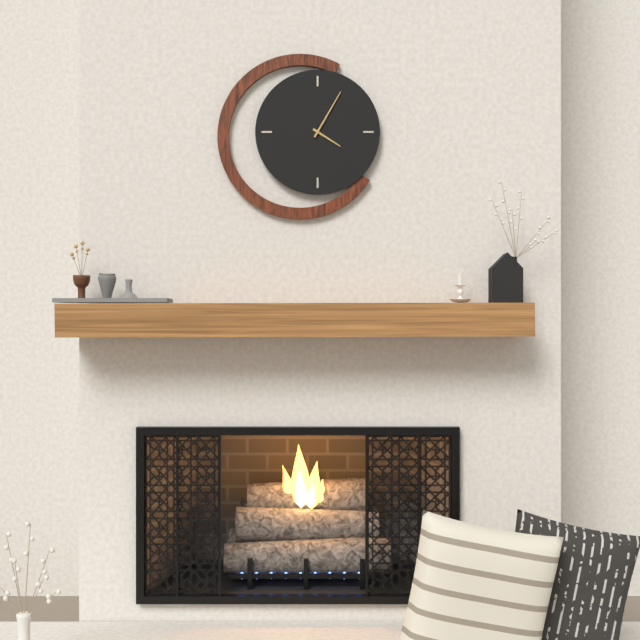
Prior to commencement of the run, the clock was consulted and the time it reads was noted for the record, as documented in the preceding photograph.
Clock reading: 4:05
